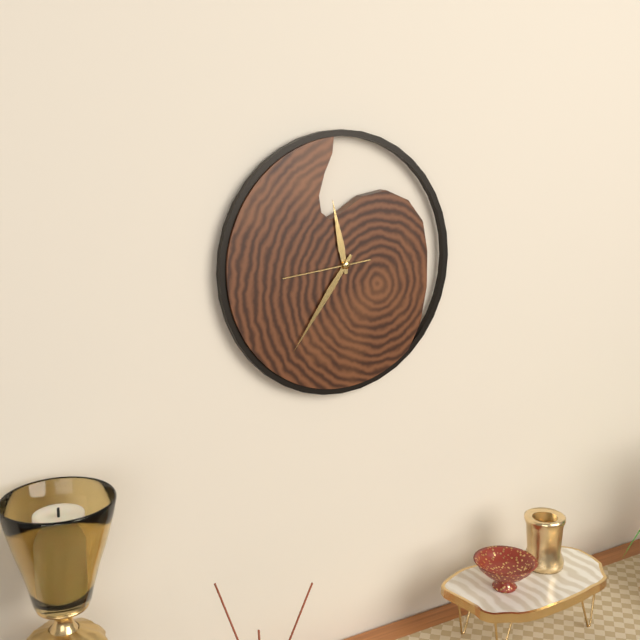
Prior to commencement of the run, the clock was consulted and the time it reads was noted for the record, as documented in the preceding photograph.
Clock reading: 11:36:44
